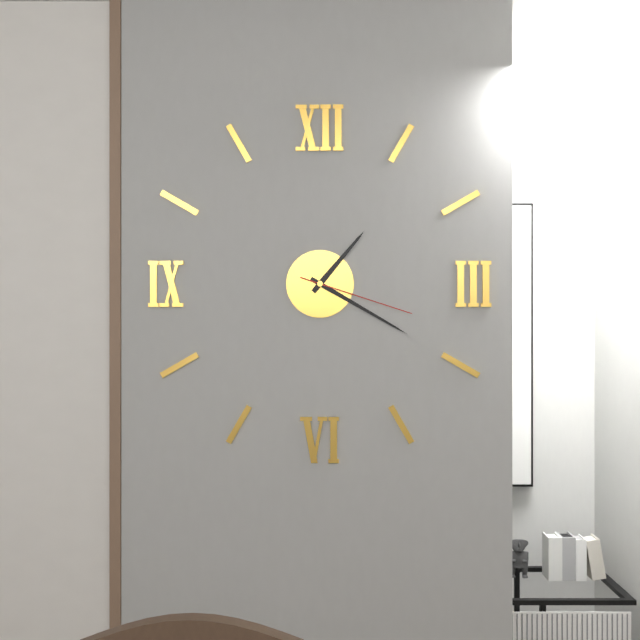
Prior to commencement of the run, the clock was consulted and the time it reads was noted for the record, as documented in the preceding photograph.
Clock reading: 1:20:18
